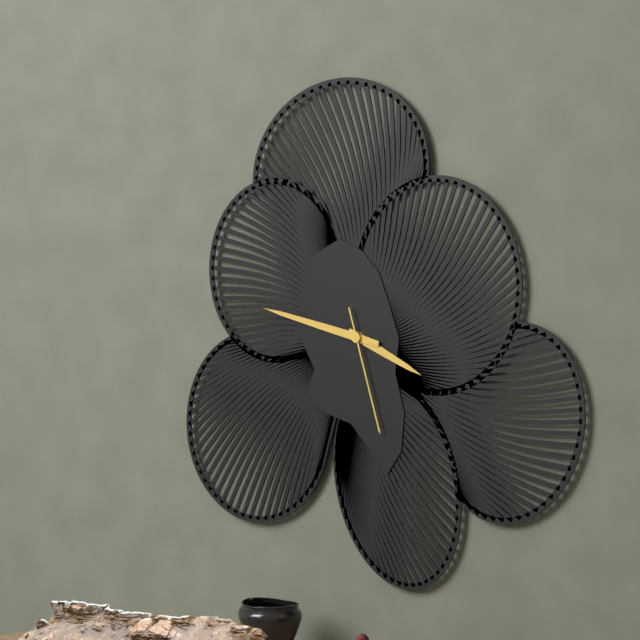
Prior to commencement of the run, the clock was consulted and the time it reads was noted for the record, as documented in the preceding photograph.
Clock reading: 3:47:27
